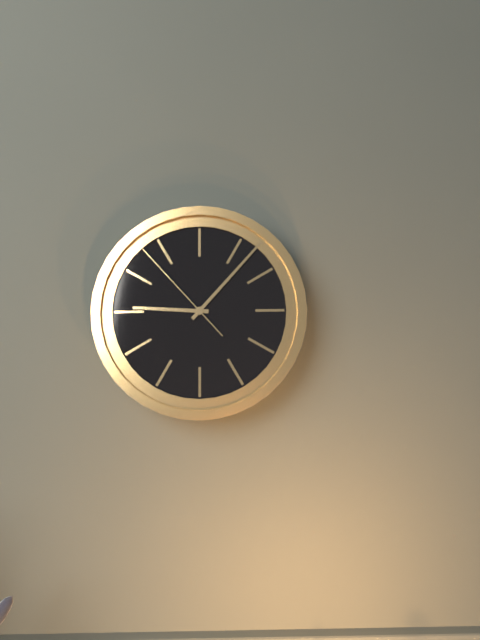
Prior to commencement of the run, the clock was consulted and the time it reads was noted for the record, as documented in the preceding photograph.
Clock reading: 9:07:53
